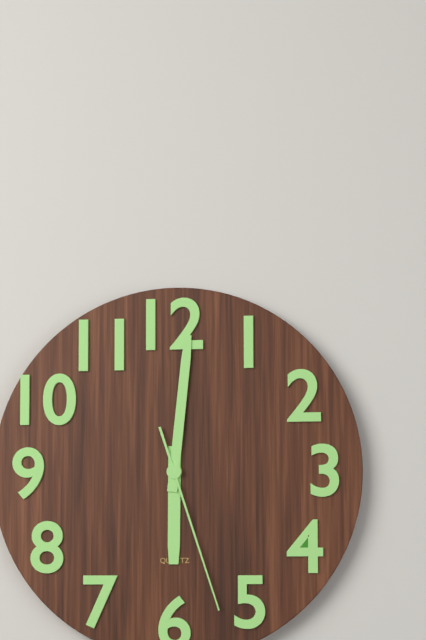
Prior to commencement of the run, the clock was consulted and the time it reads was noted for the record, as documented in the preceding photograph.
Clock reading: 6:01:27
